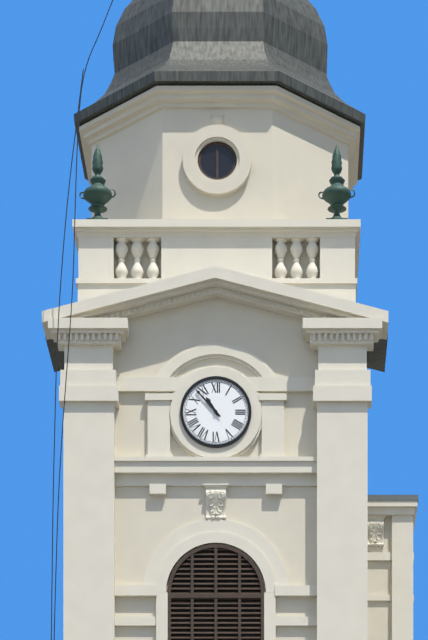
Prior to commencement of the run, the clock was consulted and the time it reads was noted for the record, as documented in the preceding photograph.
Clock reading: 10:53
